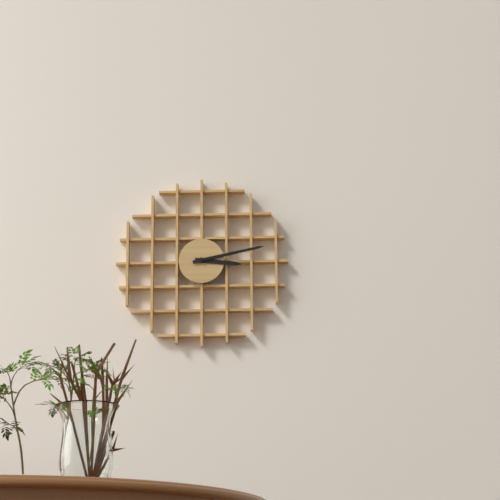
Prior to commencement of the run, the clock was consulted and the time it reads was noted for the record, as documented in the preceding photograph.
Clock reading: 3:13
